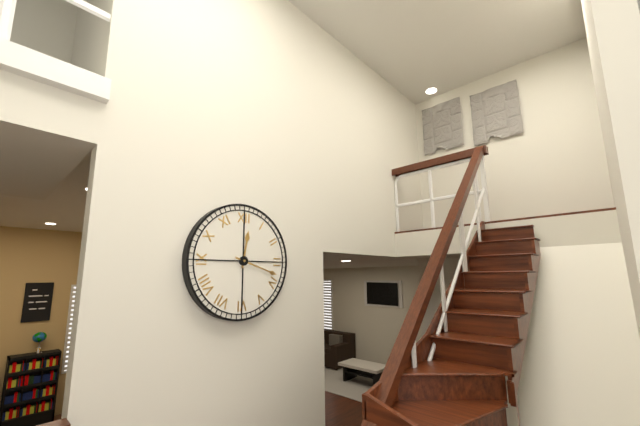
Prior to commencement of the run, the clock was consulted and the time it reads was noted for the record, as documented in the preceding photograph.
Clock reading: 12:18
